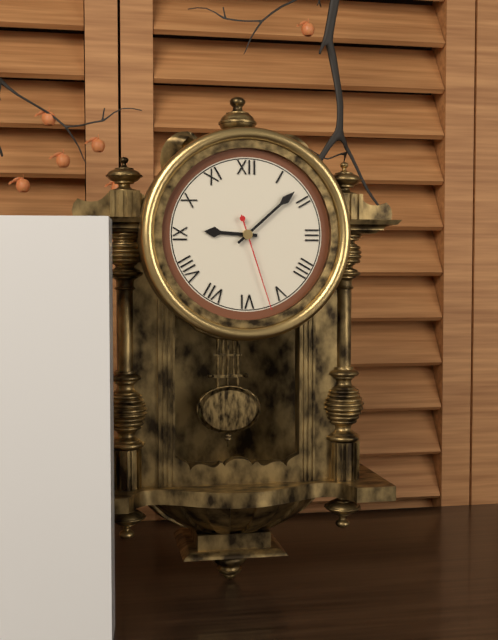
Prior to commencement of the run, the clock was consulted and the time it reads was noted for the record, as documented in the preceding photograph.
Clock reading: 9:08:27
